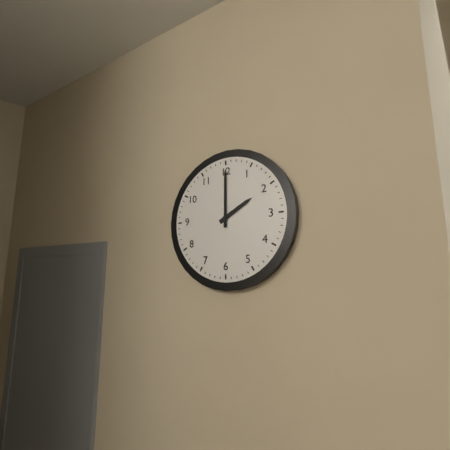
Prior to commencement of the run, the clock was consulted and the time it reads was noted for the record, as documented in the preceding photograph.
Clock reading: 2:00
